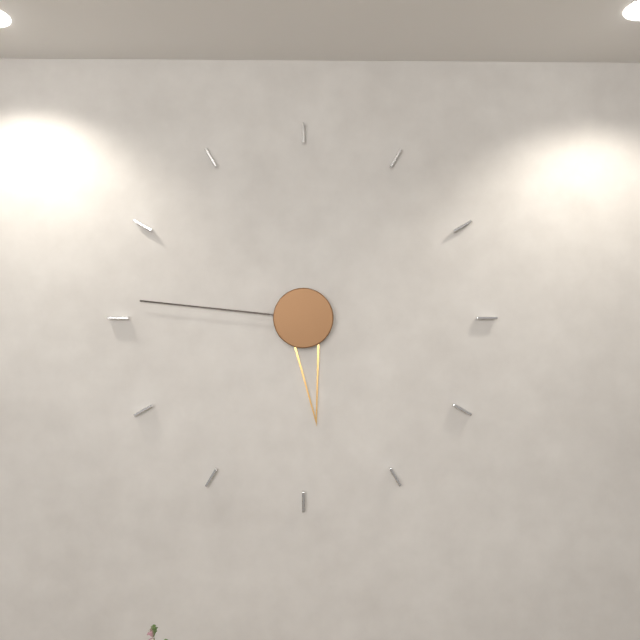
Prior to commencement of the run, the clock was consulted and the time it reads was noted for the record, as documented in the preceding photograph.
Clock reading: 5:46
